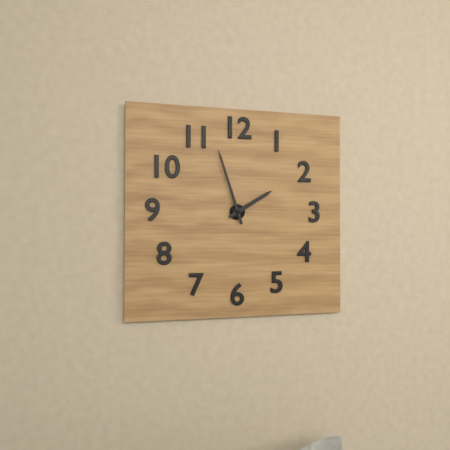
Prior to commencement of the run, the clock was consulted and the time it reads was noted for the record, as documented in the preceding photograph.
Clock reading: 1:57
